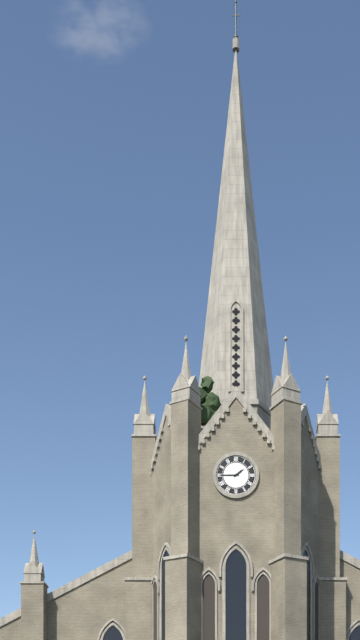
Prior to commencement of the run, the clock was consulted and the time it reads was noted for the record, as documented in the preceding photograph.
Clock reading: 1:45
